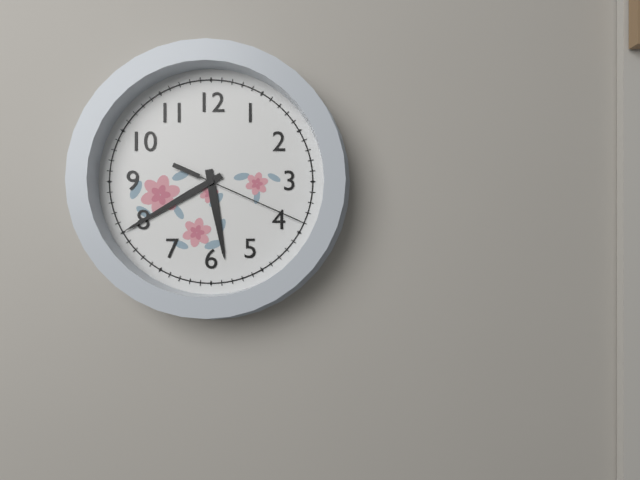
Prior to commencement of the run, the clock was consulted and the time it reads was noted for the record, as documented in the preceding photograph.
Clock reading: 5:40:19
